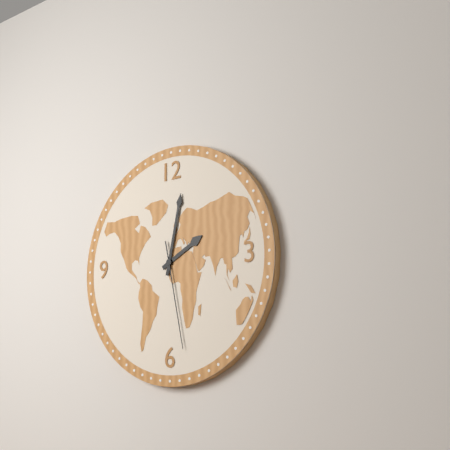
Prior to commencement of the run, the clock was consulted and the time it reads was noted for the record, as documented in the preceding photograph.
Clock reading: 2:02:28
